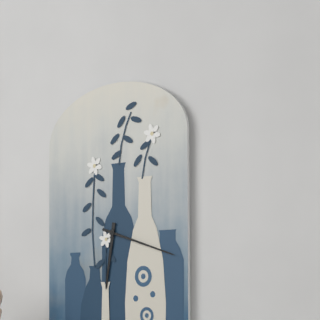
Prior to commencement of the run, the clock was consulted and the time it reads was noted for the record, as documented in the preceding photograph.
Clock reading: 6:18
